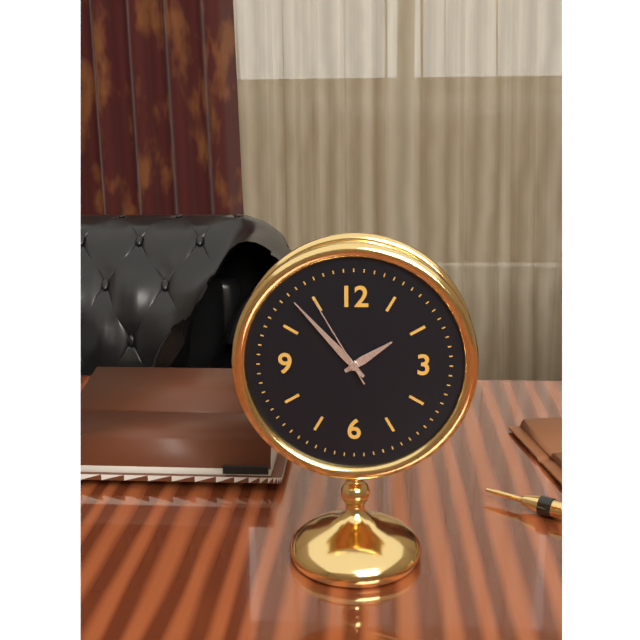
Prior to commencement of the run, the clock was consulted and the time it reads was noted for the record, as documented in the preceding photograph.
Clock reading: 1:53:55
